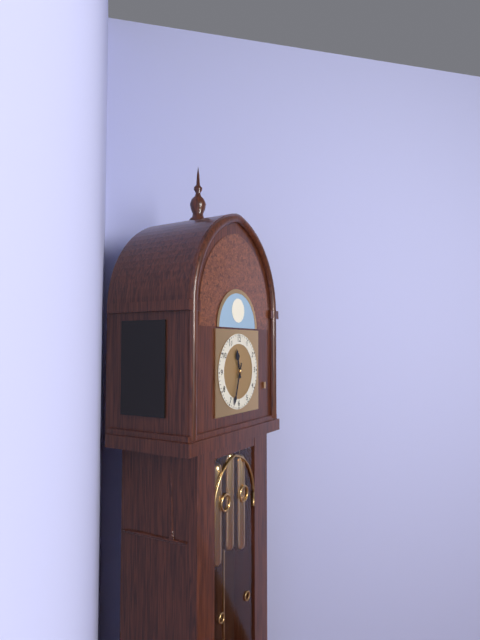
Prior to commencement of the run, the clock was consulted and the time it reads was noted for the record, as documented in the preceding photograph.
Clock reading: 11:33
